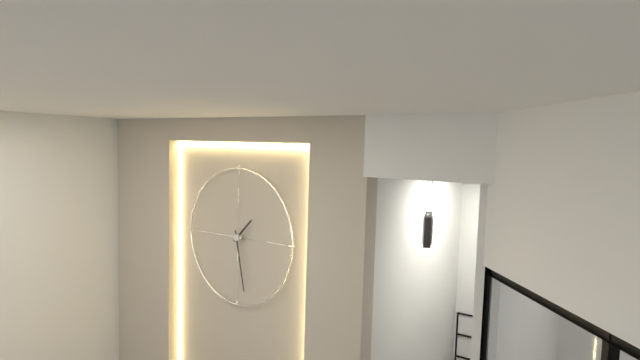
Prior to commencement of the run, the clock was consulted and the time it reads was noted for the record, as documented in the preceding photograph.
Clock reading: 1:28
